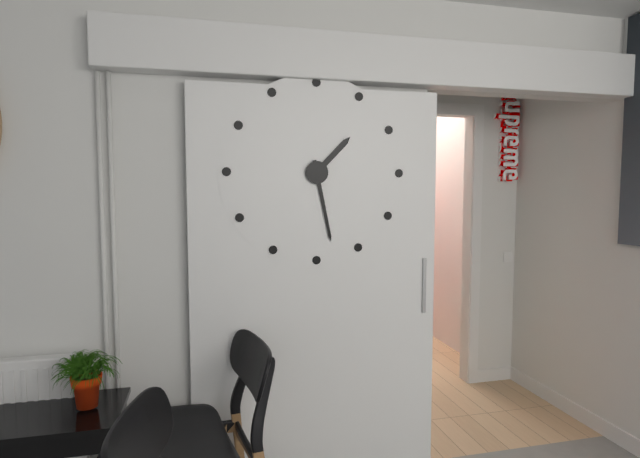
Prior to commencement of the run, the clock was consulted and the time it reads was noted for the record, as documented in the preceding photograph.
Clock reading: 1:28
